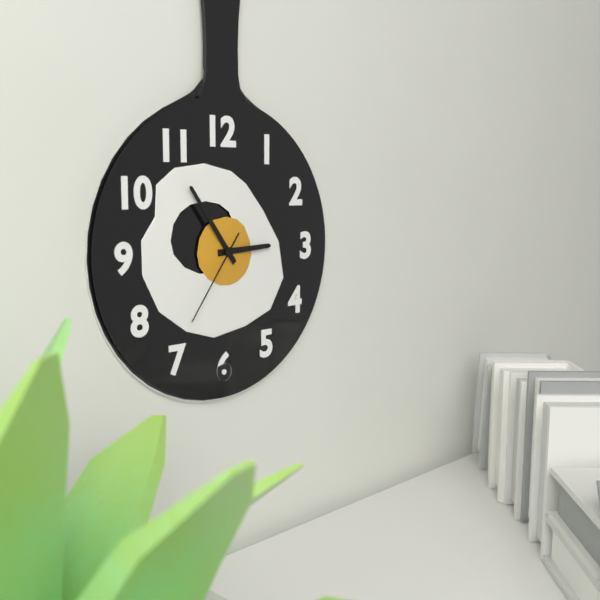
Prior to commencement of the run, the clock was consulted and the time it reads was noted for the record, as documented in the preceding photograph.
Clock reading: 2:54:36
